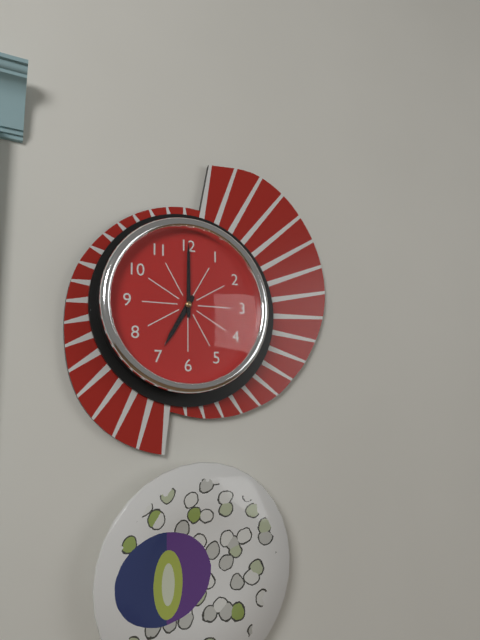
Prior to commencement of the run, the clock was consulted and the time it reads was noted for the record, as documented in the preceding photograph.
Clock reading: 7:00
